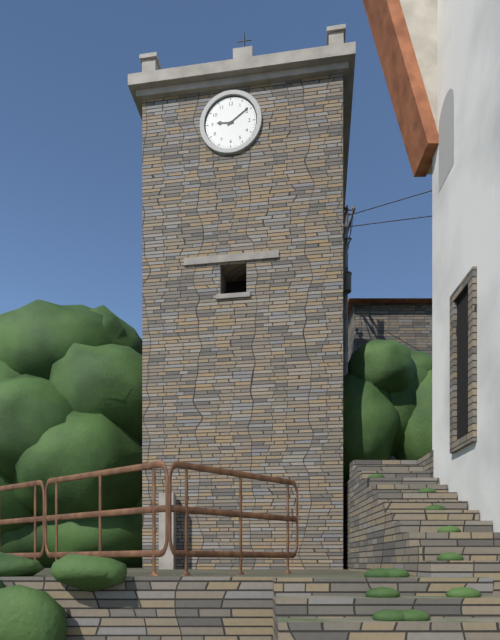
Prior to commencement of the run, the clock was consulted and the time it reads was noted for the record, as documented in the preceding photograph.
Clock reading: 9:09
